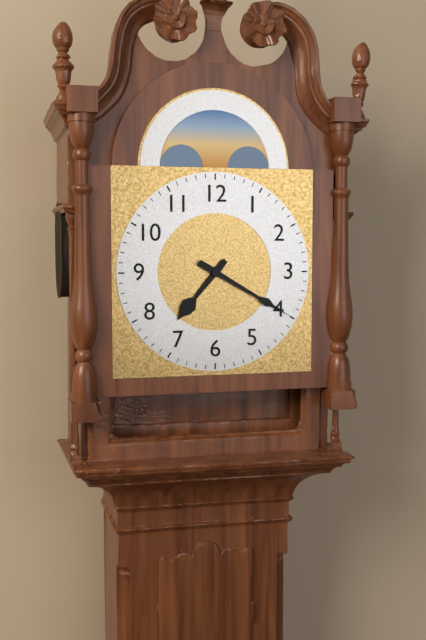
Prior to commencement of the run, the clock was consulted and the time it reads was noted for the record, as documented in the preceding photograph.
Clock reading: 7:20
